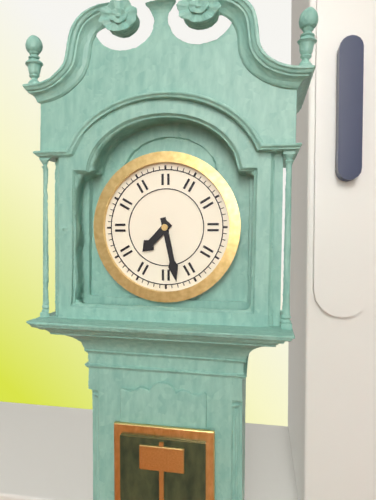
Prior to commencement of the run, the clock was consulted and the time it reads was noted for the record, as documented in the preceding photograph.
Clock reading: 7:28
